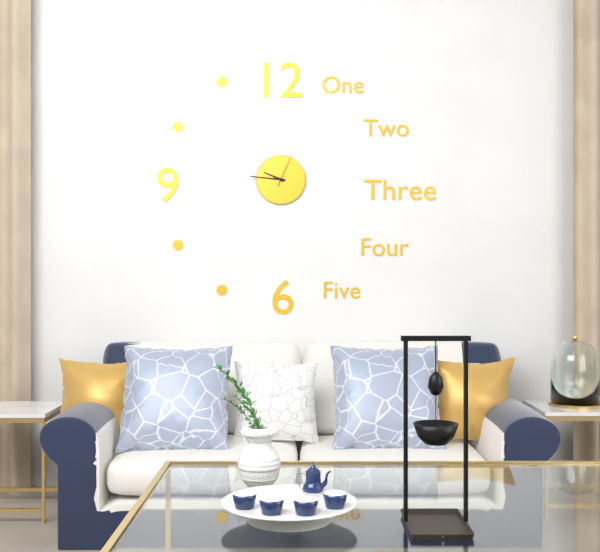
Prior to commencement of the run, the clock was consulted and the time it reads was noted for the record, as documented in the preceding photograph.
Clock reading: 9:46
